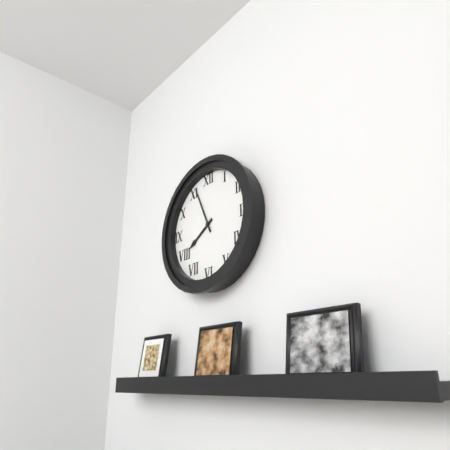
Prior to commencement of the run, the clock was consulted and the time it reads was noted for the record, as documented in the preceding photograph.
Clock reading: 7:56
